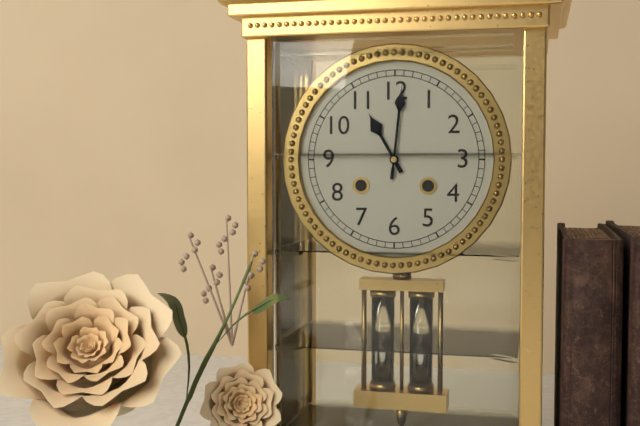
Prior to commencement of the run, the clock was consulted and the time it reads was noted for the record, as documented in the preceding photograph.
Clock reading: 11:01
